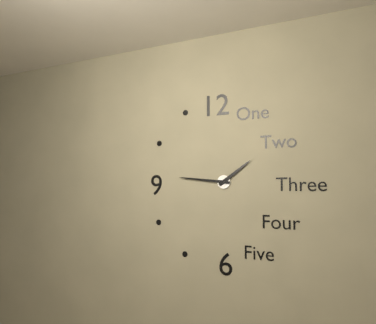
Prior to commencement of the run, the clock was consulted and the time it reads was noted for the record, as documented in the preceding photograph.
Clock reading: 1:46
